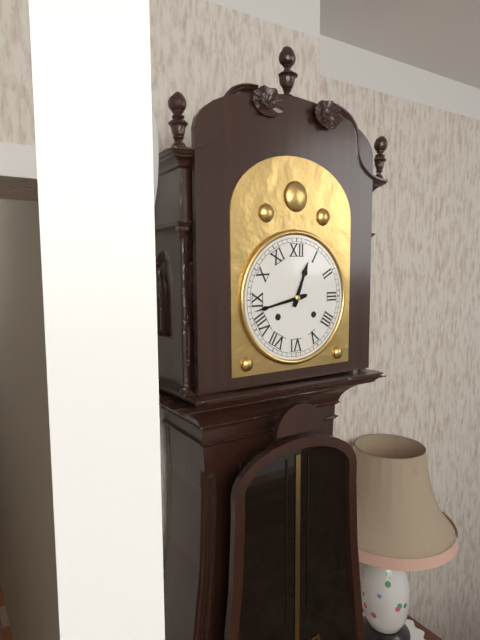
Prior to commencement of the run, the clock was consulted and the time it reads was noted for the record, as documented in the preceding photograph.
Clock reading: 12:43
